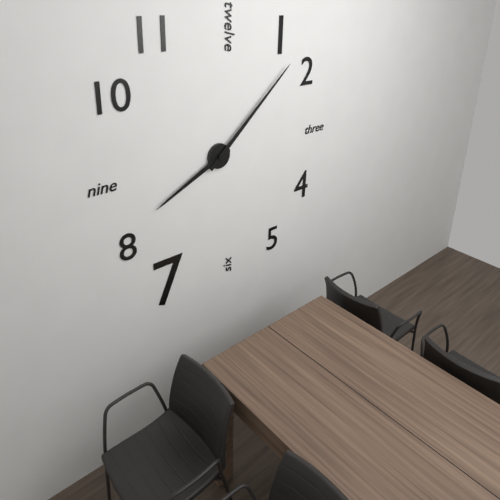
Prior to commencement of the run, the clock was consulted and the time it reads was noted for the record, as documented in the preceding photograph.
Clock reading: 8:08
